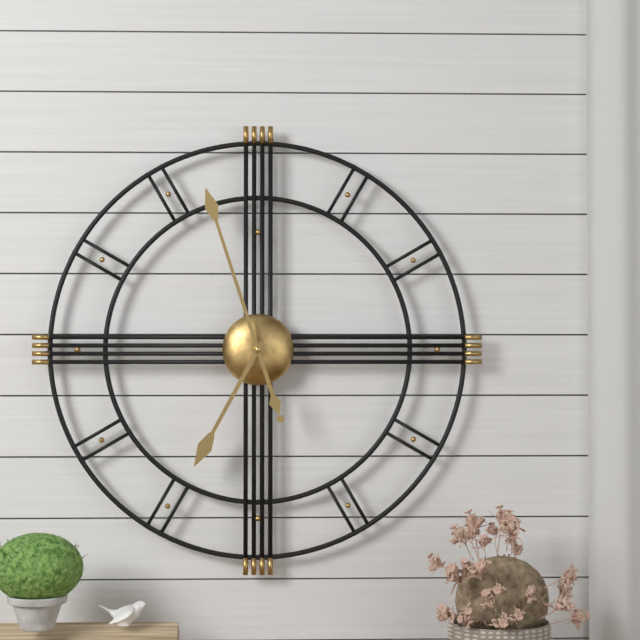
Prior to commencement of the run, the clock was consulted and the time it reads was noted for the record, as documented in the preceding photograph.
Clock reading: 6:57
